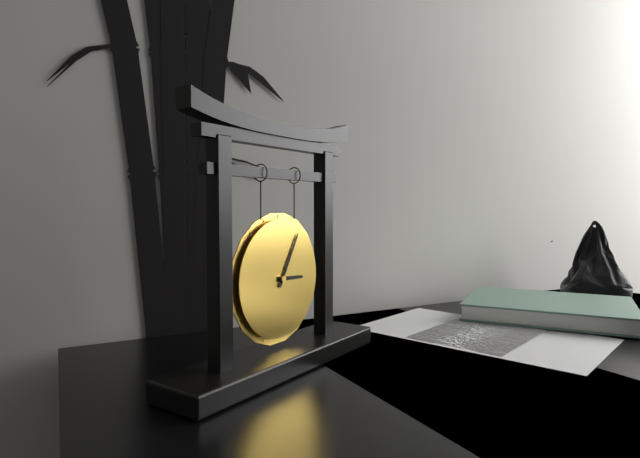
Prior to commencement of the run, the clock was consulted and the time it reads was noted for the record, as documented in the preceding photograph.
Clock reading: 3:05
